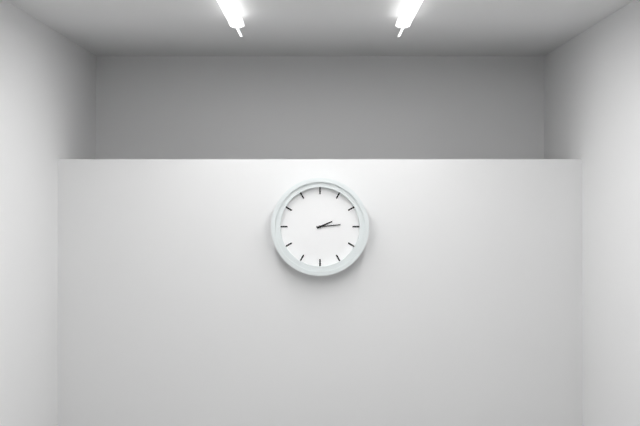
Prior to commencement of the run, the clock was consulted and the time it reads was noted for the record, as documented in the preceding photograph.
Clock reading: 2:14
